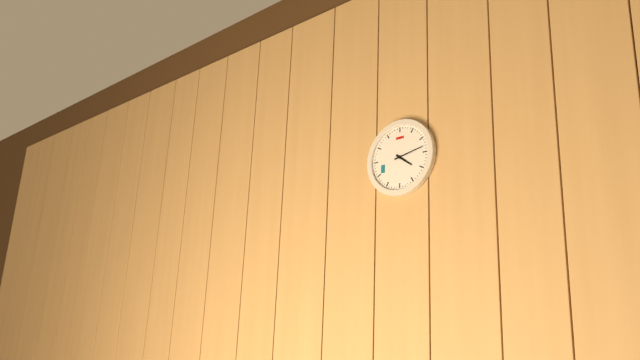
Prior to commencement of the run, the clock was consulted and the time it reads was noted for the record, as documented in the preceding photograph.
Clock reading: 4:13
